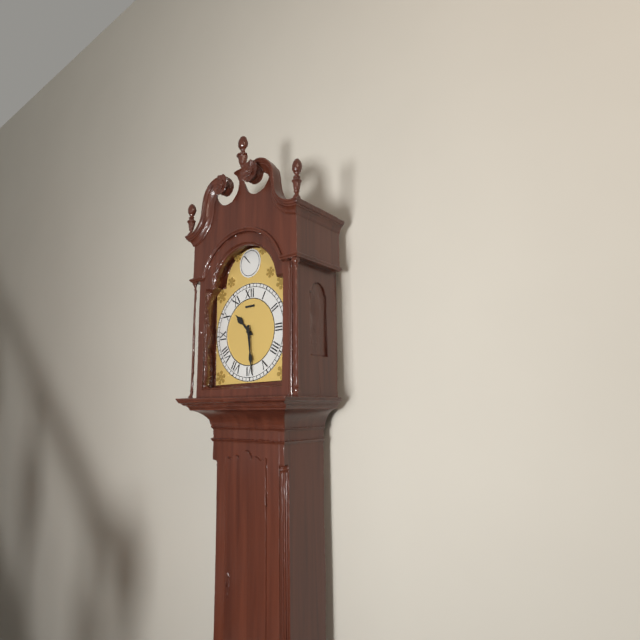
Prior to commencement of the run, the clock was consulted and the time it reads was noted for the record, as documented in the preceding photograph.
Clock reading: 10:29
